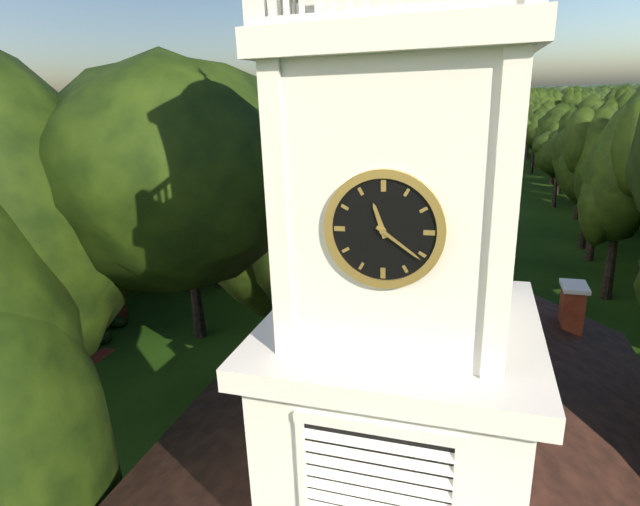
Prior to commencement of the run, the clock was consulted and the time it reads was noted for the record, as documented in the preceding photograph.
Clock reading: 11:21
